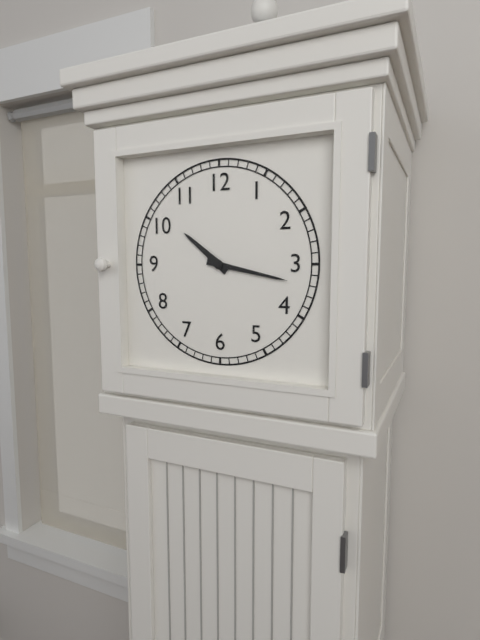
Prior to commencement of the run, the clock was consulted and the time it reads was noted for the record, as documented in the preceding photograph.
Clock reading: 10:17
